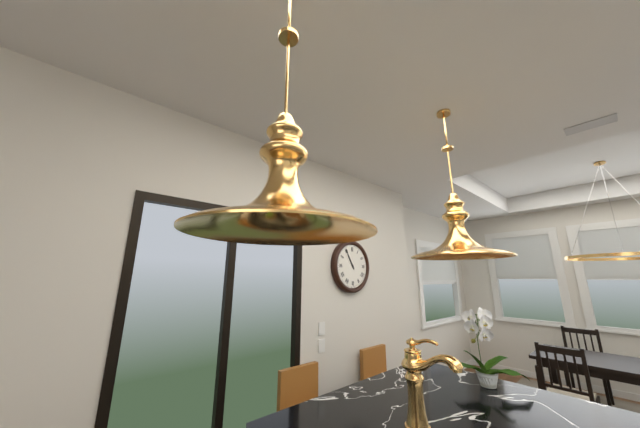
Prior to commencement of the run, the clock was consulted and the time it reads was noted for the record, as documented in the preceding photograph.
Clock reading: 10:55
